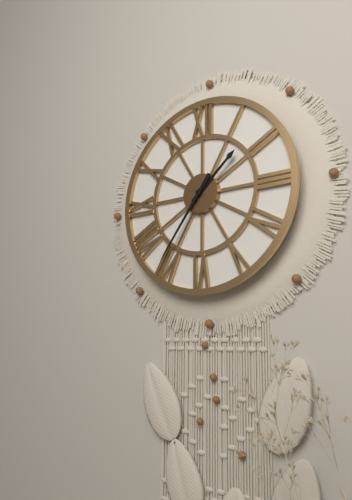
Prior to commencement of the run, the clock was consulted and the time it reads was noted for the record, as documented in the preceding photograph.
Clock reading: 1:36
